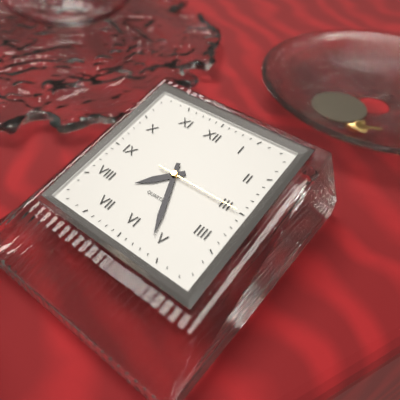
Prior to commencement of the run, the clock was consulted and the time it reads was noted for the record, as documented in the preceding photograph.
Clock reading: 7:26:15
